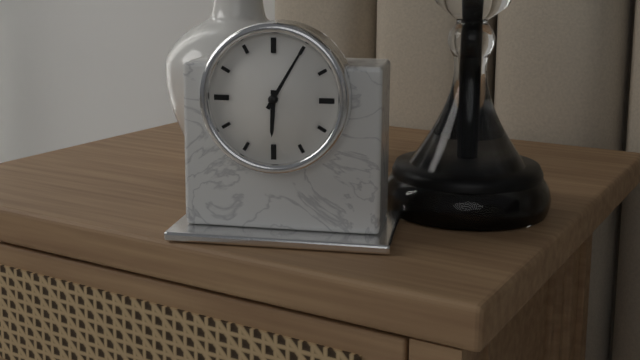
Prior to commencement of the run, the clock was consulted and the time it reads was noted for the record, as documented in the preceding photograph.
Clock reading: 6:05
